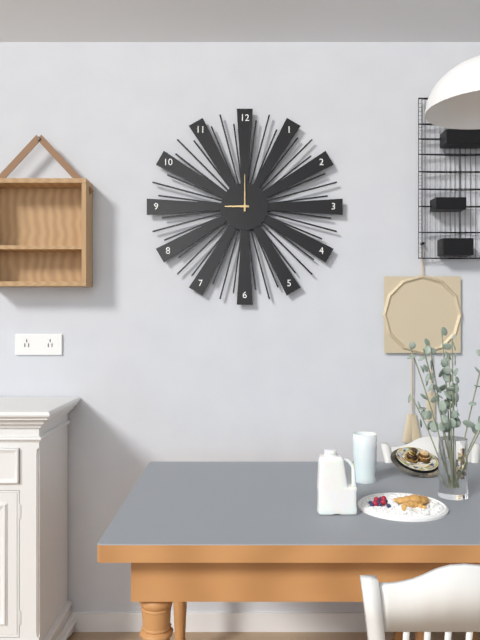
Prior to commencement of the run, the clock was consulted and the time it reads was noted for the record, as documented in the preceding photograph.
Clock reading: 9:00
